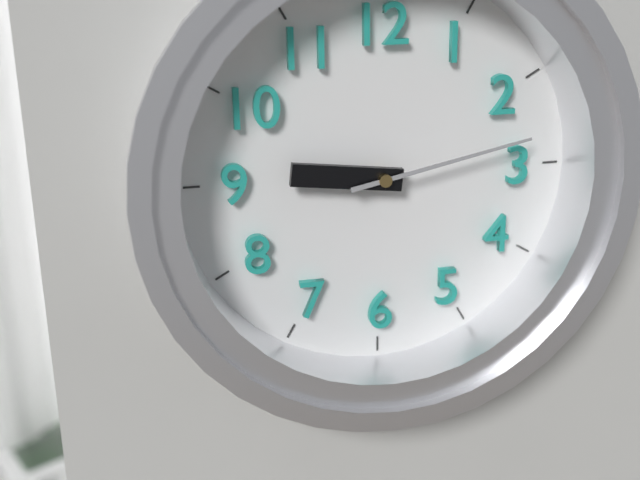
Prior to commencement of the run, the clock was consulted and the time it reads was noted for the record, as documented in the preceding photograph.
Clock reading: 9:13
